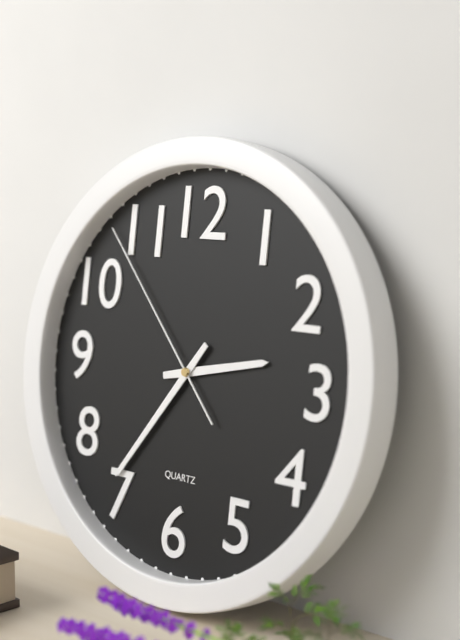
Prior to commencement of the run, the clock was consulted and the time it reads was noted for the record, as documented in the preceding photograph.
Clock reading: 2:36:53
